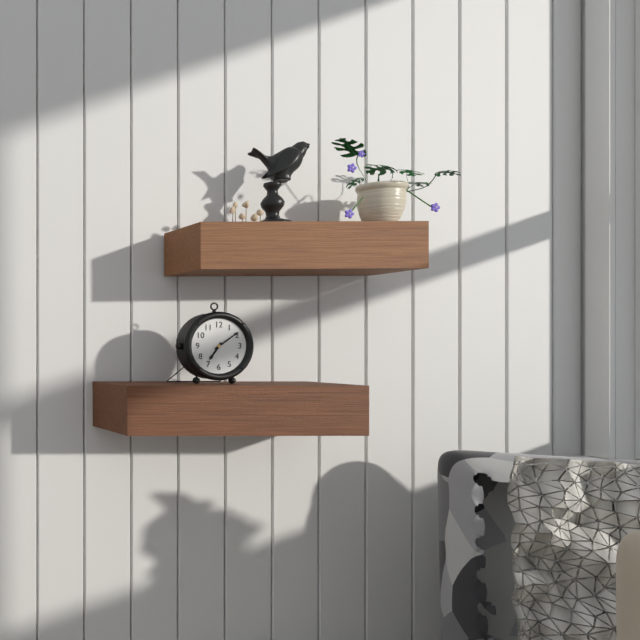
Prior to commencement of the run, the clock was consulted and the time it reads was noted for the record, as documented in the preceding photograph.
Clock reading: 7:09
